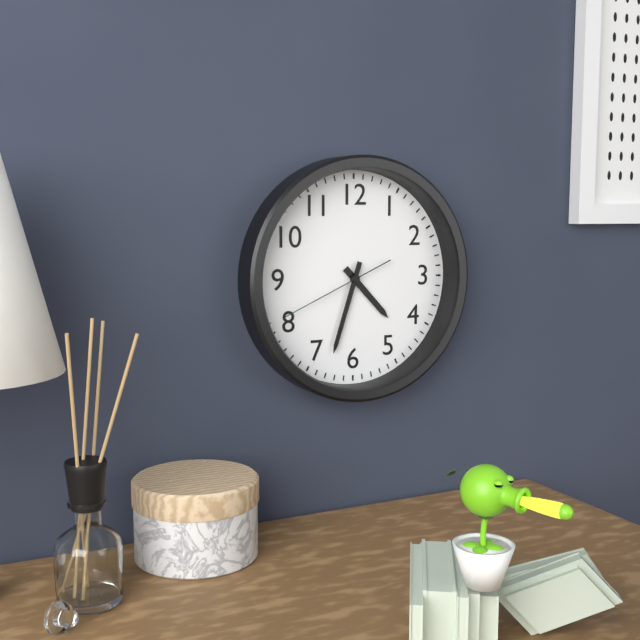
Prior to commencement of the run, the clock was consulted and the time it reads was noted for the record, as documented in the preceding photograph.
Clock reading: 4:33:41
